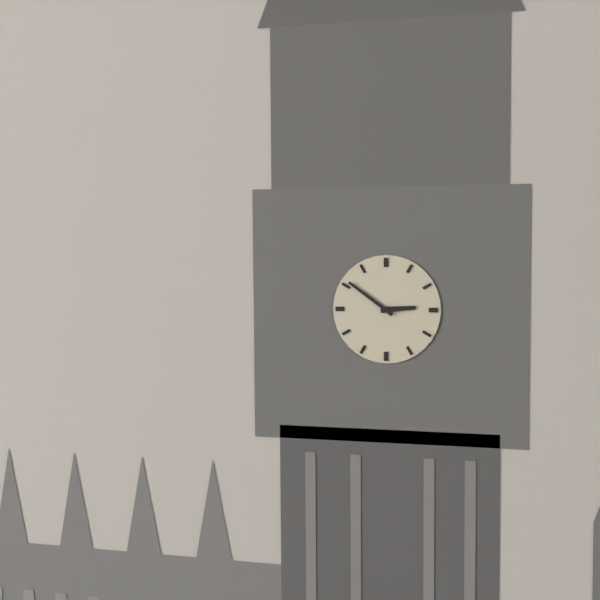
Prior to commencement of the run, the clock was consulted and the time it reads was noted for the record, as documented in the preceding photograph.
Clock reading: 2:51
